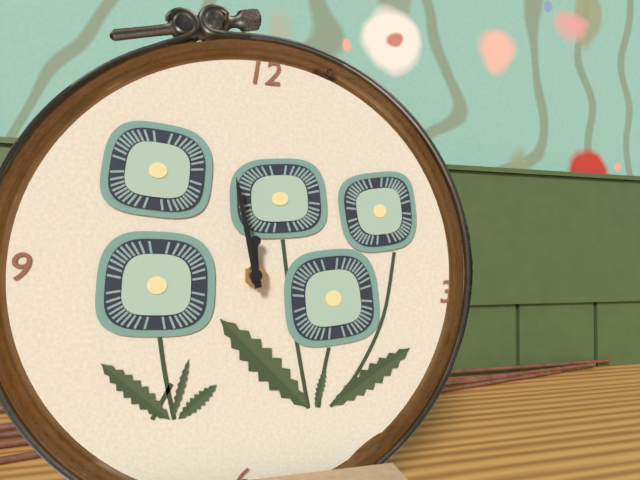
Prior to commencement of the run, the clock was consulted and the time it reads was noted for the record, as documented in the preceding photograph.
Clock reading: 11:58
